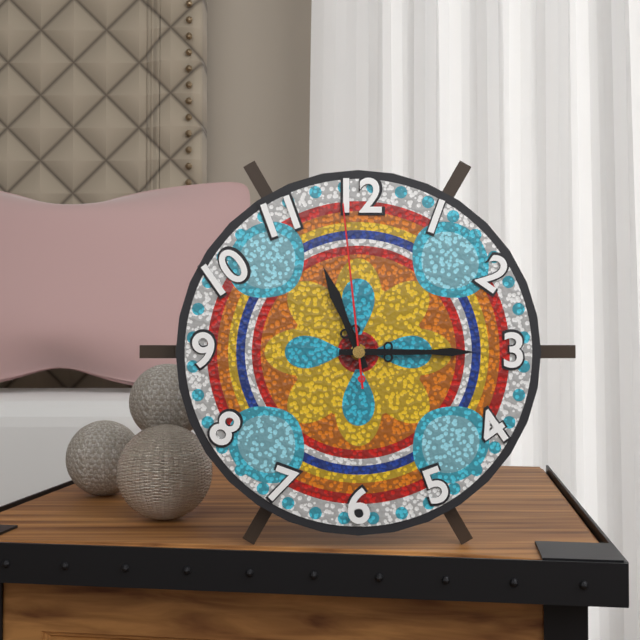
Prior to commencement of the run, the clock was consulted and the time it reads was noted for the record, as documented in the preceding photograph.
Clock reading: 11:15:59
